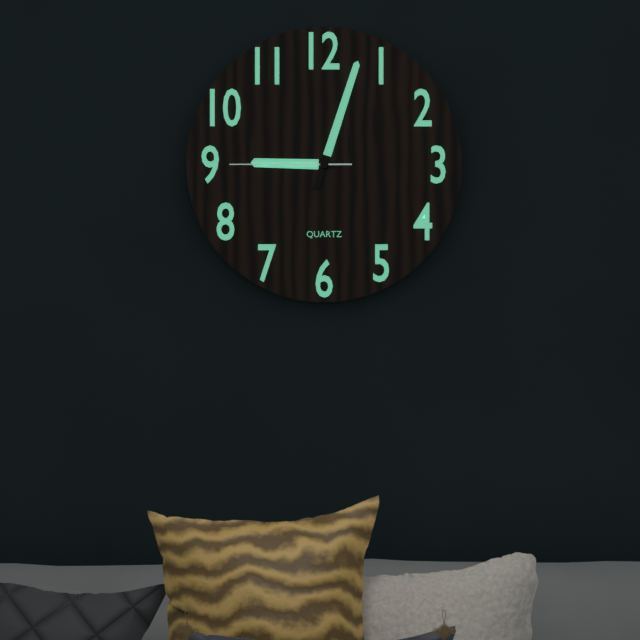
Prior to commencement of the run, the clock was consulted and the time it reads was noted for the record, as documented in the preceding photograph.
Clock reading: 9:03:45
